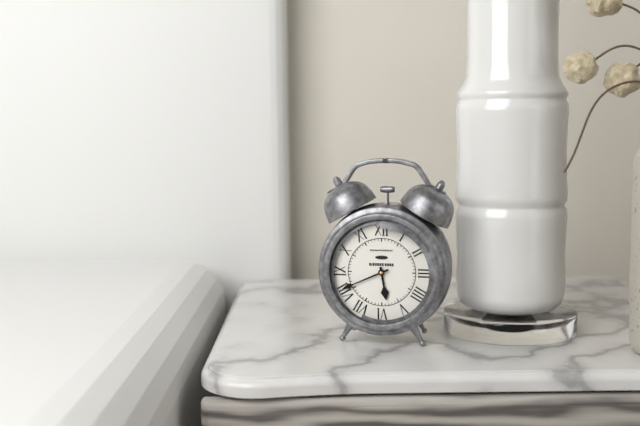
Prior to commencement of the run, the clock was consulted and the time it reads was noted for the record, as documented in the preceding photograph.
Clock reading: 5:41
